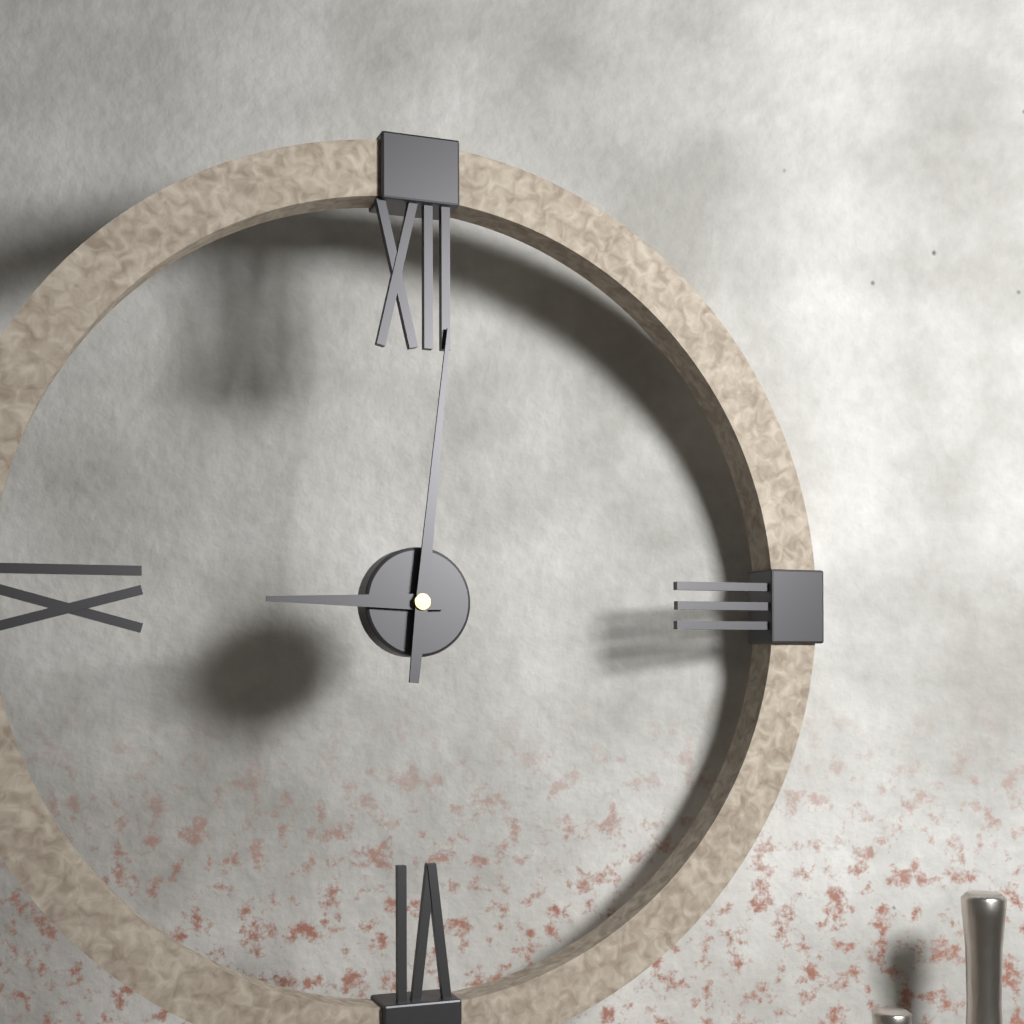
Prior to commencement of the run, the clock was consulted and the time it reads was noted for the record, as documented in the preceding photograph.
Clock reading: 9:01
